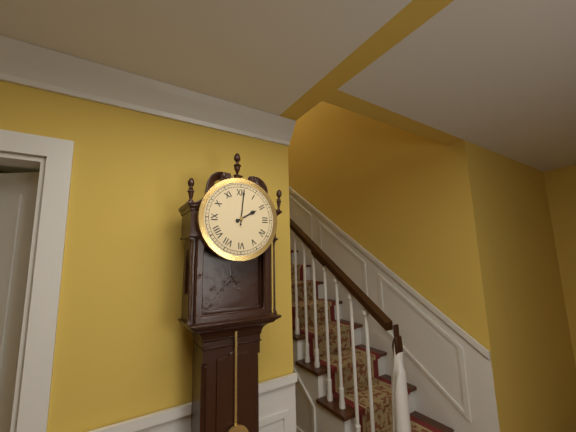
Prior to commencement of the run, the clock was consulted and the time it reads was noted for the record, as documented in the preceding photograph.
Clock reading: 2:01
